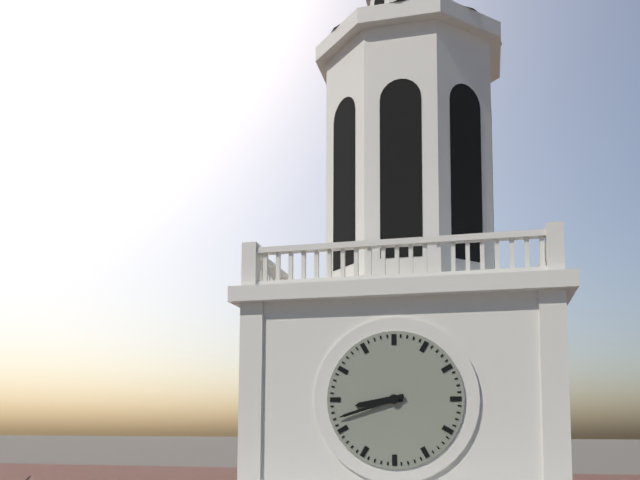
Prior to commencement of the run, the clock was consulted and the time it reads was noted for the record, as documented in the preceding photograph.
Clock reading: 8:42
